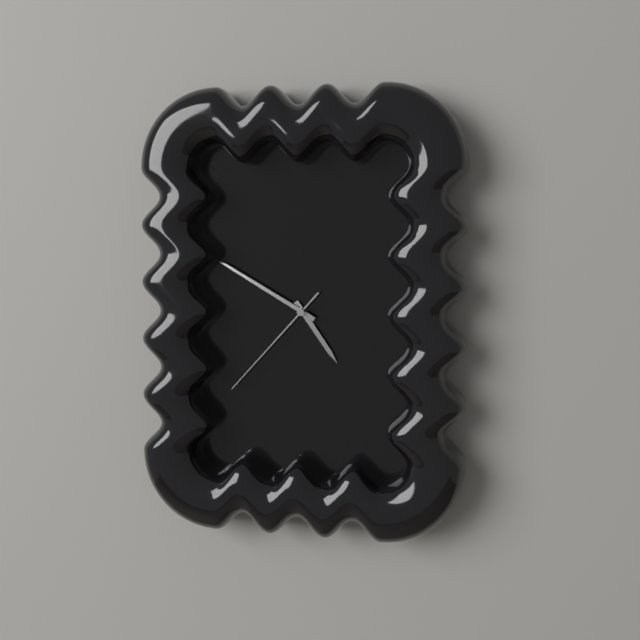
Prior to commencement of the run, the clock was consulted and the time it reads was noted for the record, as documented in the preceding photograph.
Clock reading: 4:50:37
